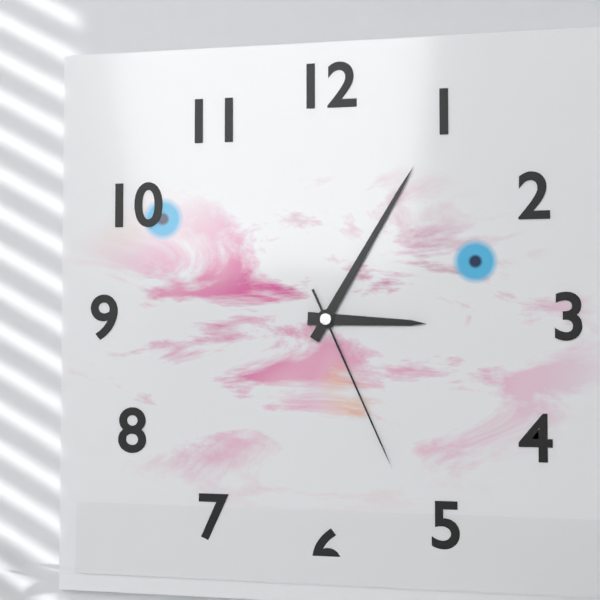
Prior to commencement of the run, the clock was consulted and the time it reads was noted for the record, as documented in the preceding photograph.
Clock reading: 3:05:26
